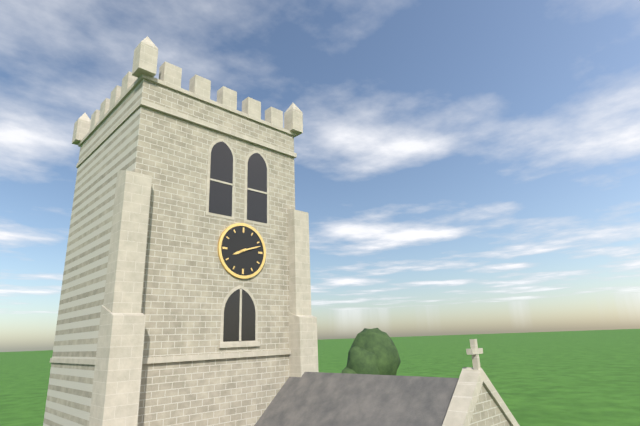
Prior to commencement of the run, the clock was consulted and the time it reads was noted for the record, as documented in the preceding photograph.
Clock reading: 8:12
